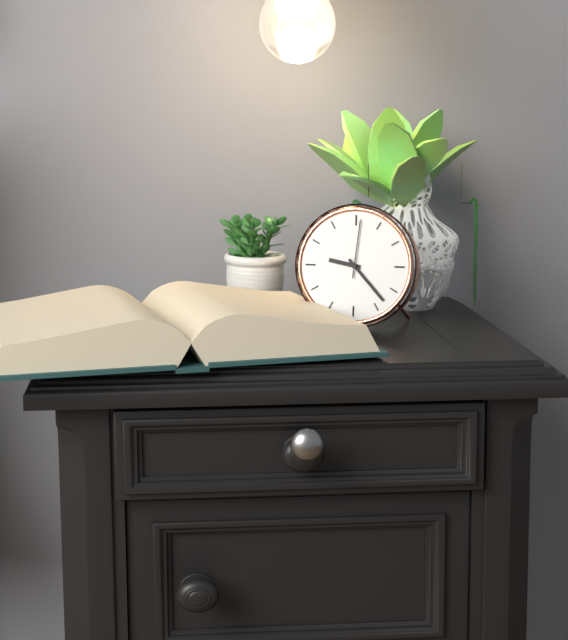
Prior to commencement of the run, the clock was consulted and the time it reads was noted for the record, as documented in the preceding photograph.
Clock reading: 9:23:01
